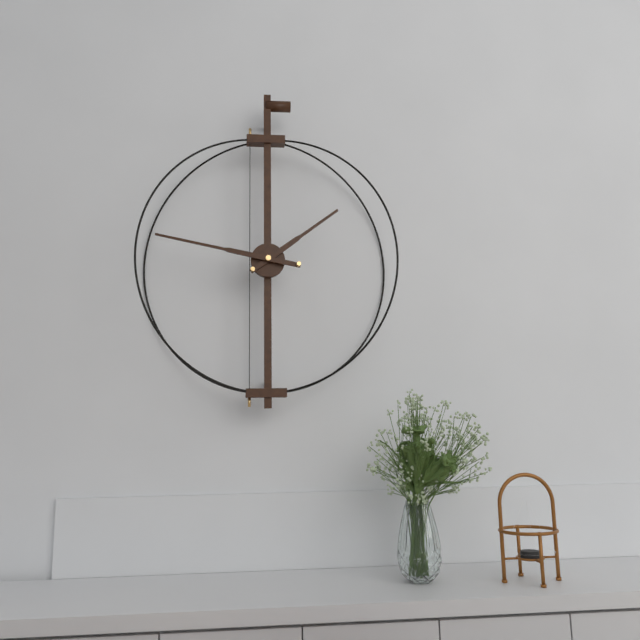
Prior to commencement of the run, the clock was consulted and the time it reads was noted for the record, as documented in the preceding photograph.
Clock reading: 1:47
